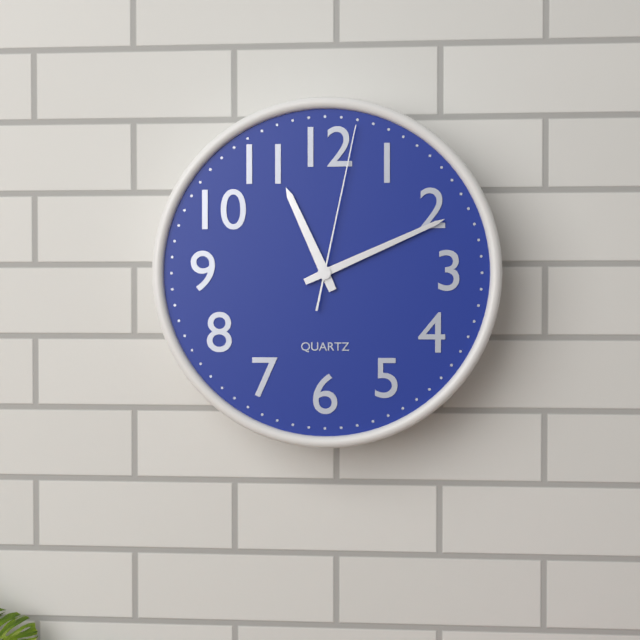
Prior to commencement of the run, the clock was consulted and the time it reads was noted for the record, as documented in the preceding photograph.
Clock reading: 11:11:02
